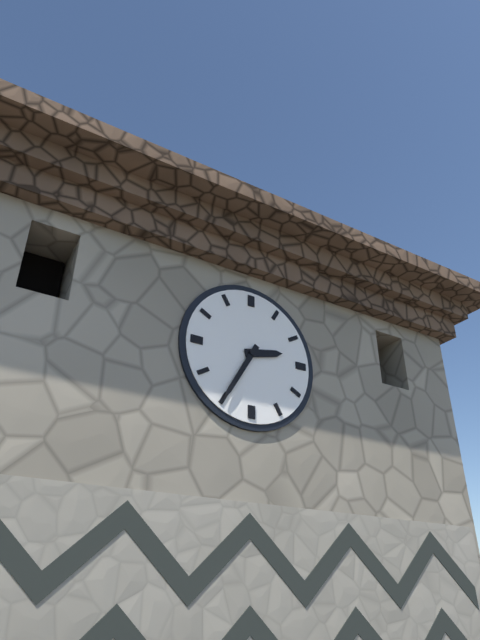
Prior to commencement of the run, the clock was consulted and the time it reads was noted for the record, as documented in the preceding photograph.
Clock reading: 2:35
